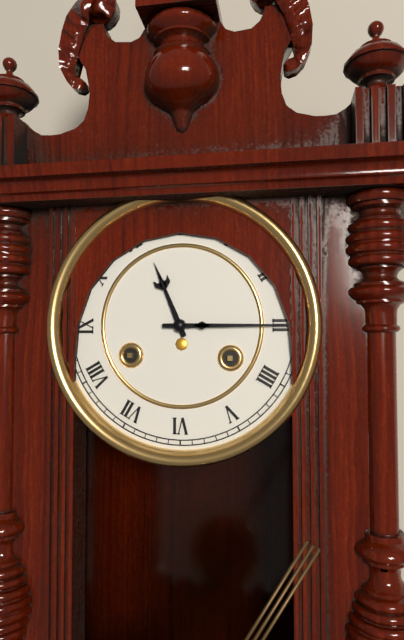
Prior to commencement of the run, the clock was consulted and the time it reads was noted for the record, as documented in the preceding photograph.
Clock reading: 11:15
